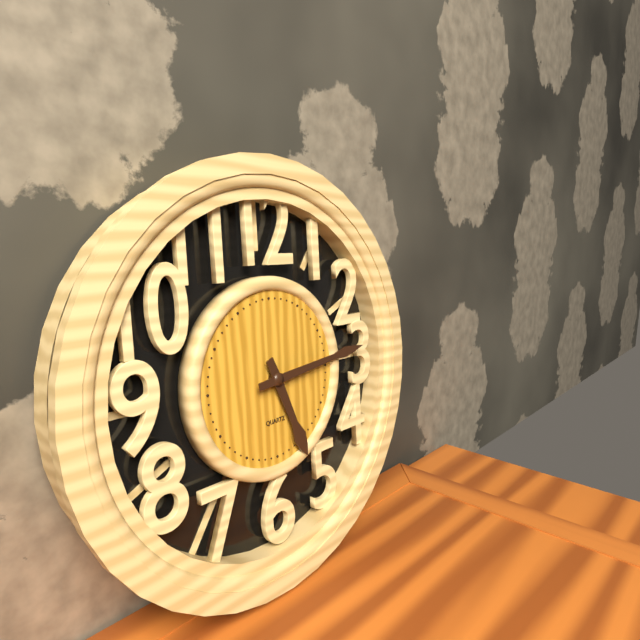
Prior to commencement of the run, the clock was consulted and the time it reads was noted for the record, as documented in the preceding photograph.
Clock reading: 5:14
